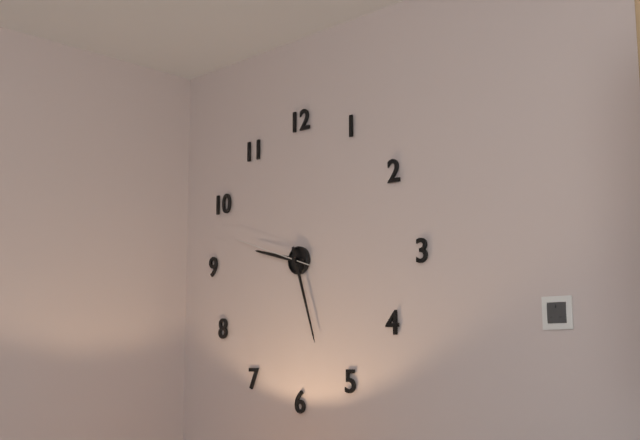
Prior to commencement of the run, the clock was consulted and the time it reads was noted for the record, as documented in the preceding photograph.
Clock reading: 9:27:48
